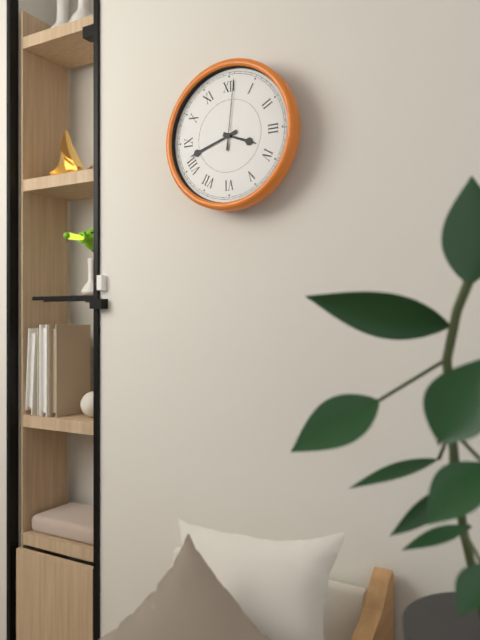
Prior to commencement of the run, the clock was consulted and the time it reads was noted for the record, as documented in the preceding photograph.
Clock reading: 3:42:01
